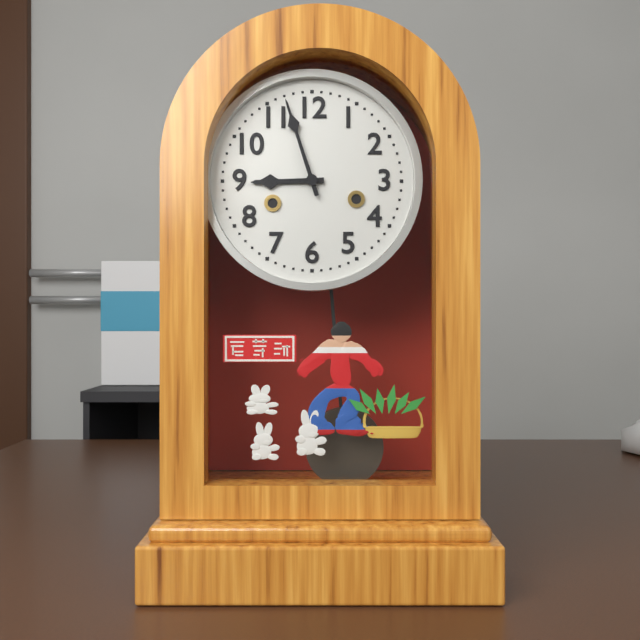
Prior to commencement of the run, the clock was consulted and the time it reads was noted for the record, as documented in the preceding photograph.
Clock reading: 8:57
